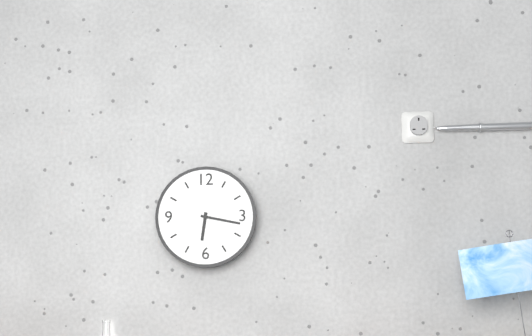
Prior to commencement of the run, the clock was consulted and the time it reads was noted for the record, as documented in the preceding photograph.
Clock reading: 6:17
